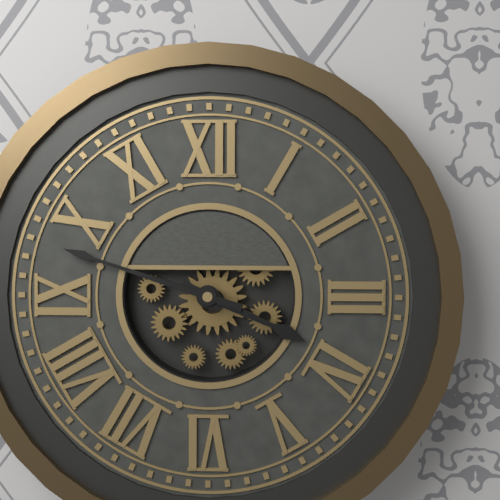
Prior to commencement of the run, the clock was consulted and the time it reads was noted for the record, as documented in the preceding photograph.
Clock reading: 3:48
